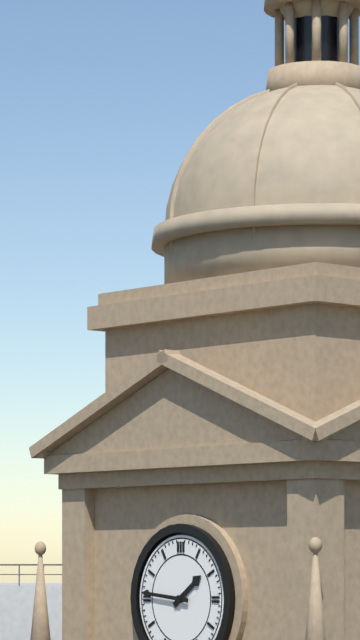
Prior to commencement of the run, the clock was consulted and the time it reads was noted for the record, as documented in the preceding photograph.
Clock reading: 1:46
